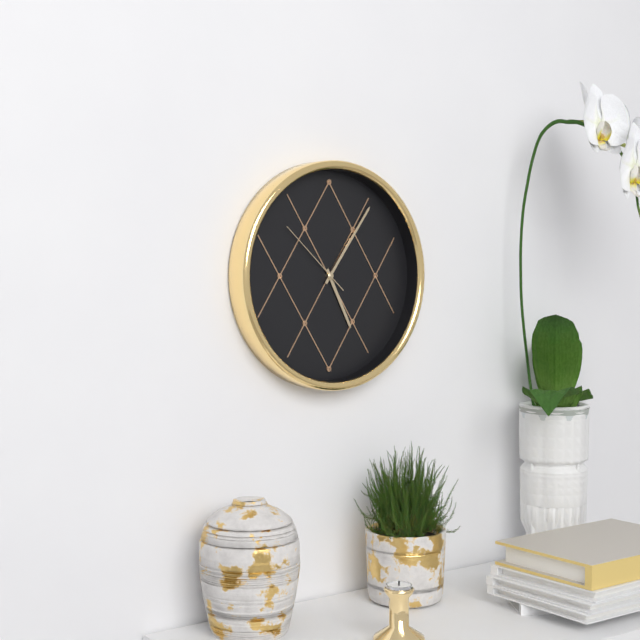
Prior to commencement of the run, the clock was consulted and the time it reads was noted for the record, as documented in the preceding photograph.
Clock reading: 5:06:52
